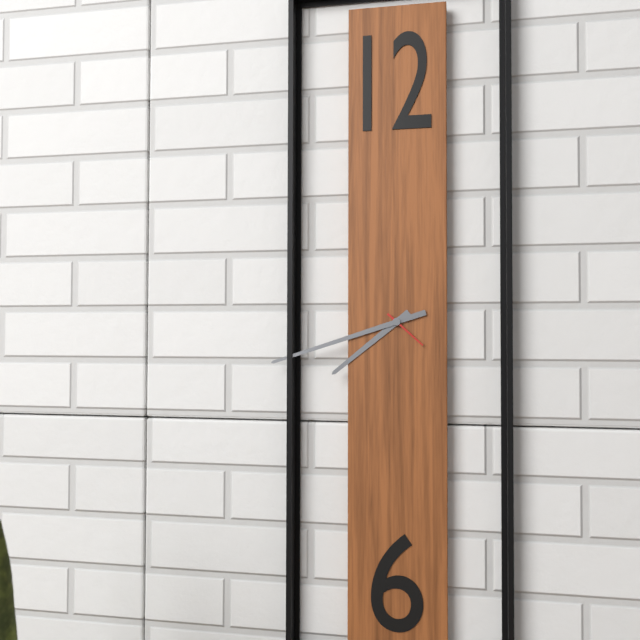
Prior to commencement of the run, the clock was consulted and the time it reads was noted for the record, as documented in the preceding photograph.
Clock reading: 7:42
